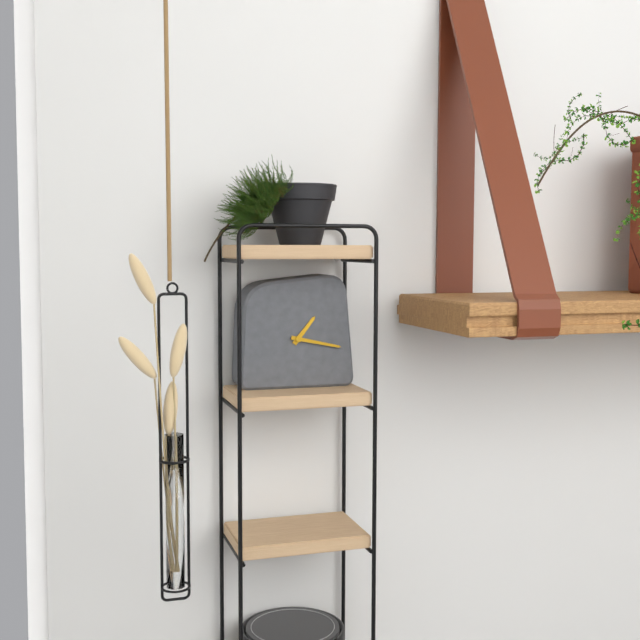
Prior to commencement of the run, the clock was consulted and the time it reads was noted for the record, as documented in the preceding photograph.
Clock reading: 1:17
